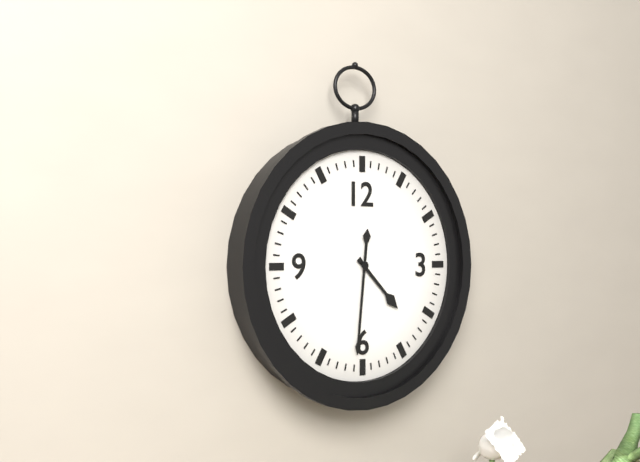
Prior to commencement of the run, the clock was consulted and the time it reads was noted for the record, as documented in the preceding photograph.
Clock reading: 4:31
